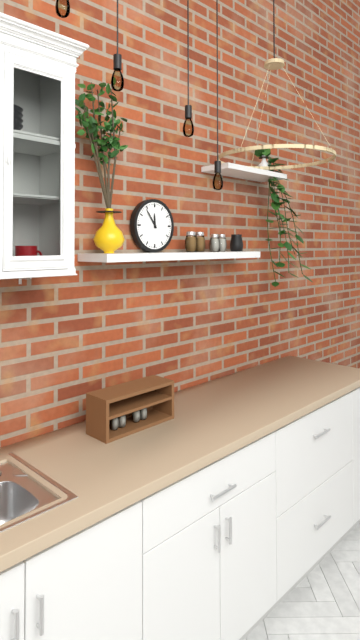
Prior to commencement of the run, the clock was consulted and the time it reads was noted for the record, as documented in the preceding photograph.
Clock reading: 11:54
